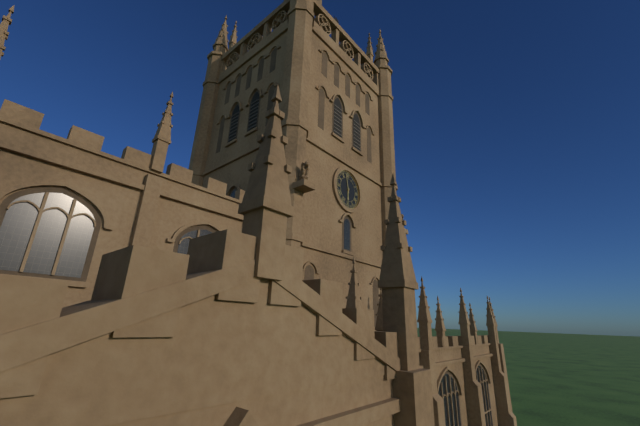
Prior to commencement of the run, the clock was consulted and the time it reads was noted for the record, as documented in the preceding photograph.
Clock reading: 5:58
